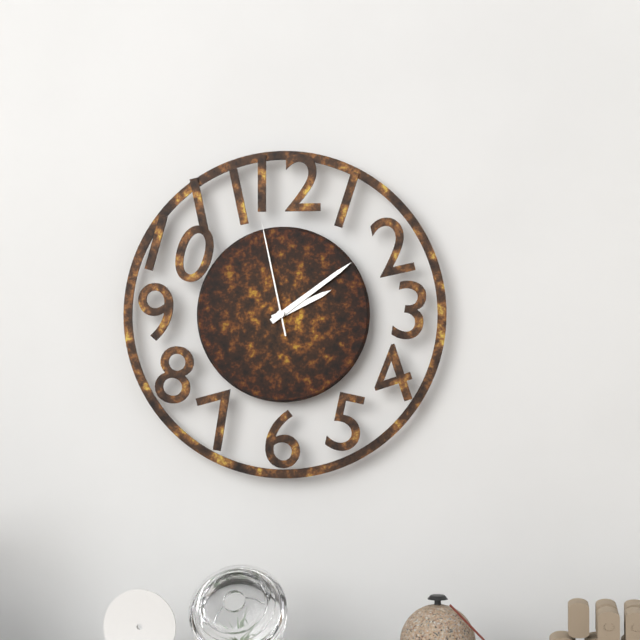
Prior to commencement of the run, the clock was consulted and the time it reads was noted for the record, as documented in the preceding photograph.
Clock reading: 2:09:58
